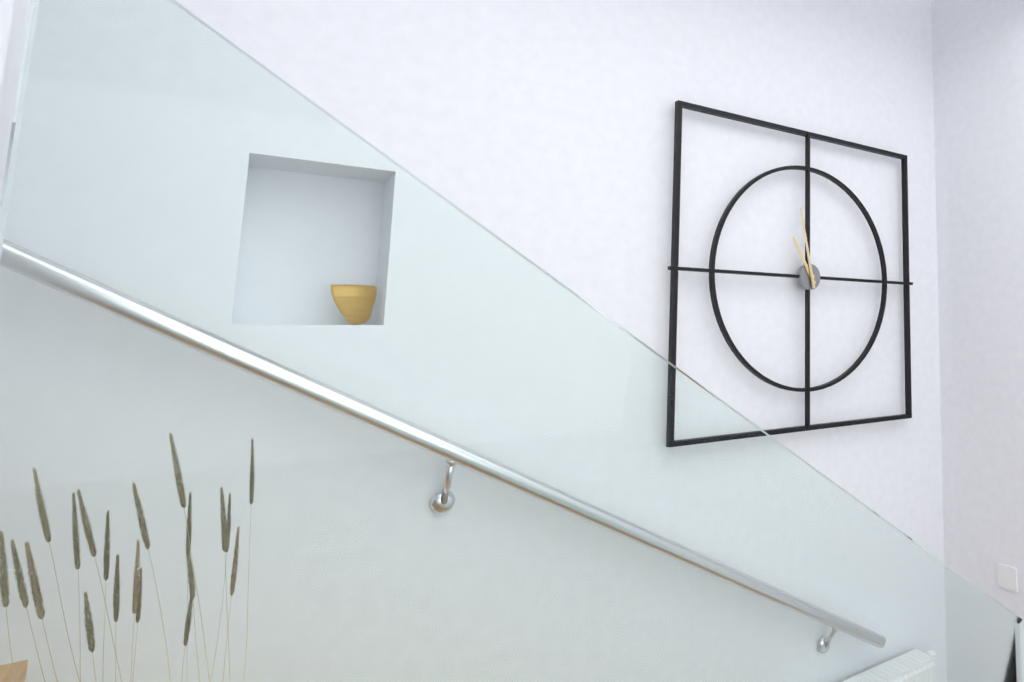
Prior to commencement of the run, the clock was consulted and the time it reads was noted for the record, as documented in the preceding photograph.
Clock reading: 10:58
